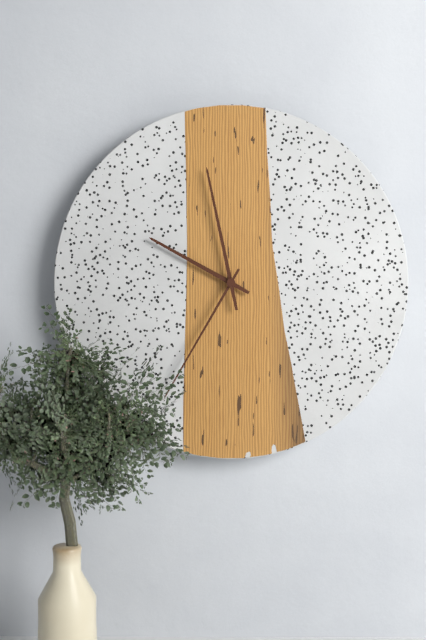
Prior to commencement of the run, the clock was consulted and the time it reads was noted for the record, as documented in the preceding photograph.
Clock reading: 9:58:35
